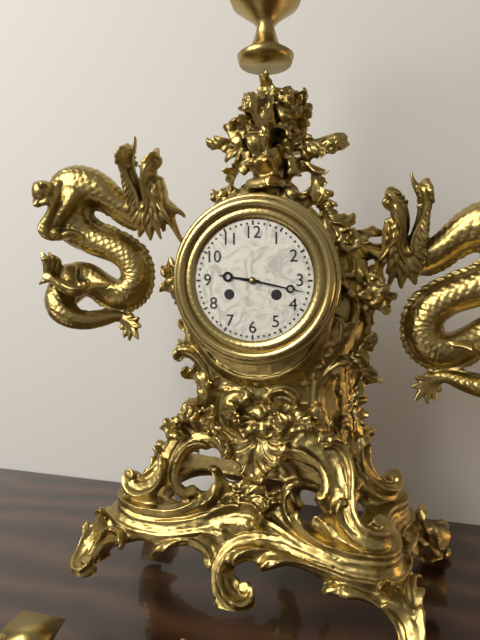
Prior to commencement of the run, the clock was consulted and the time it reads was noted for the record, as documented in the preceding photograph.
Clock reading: 9:17
